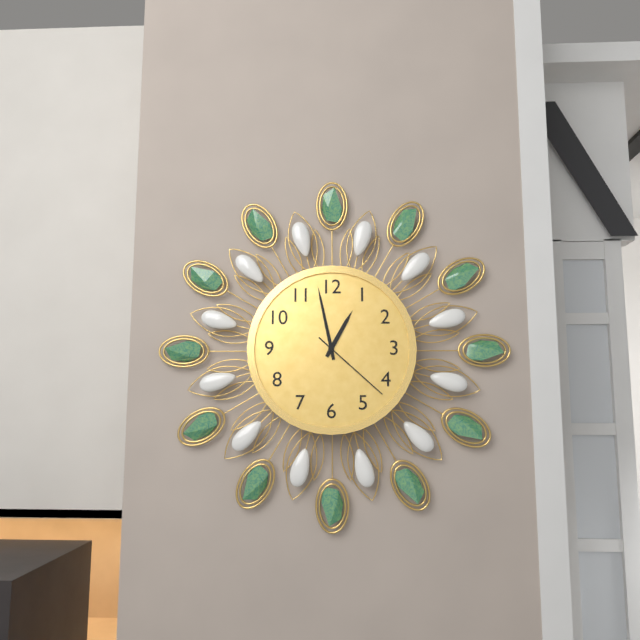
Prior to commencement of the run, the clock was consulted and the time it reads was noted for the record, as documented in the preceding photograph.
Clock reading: 12:58:22
